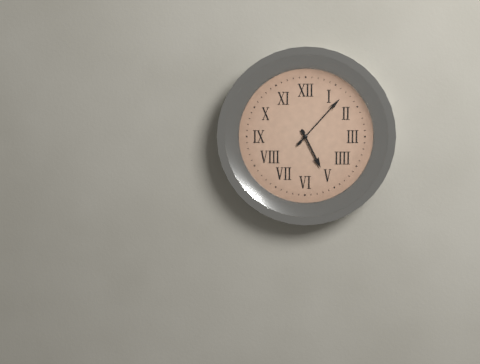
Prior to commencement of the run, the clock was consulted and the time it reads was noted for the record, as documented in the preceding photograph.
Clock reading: 5:07
